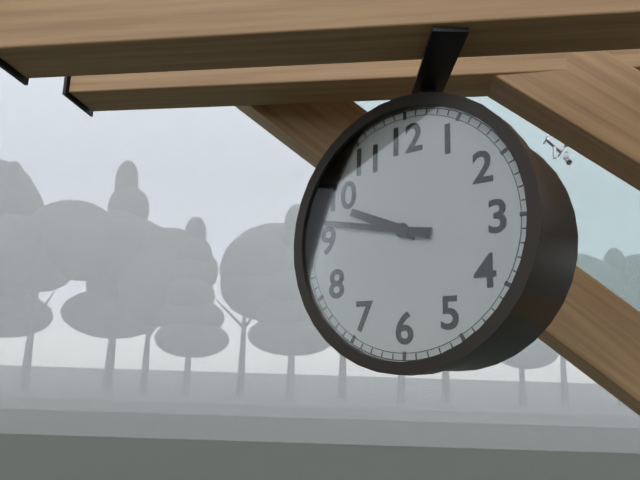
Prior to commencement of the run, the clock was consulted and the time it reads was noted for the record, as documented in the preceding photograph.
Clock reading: 9:47
